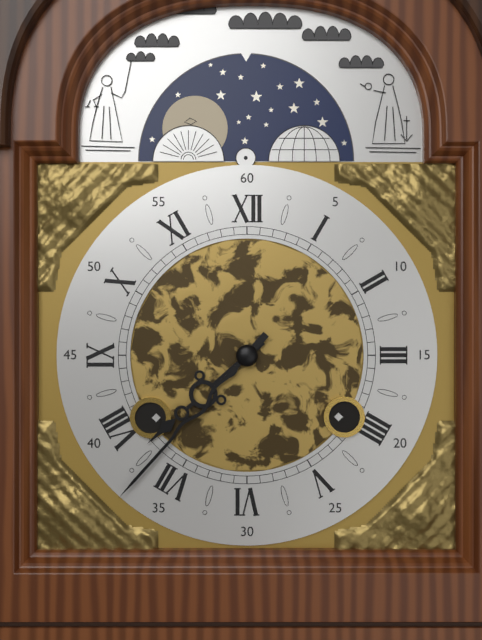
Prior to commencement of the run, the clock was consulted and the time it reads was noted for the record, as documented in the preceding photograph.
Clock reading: 7:37
